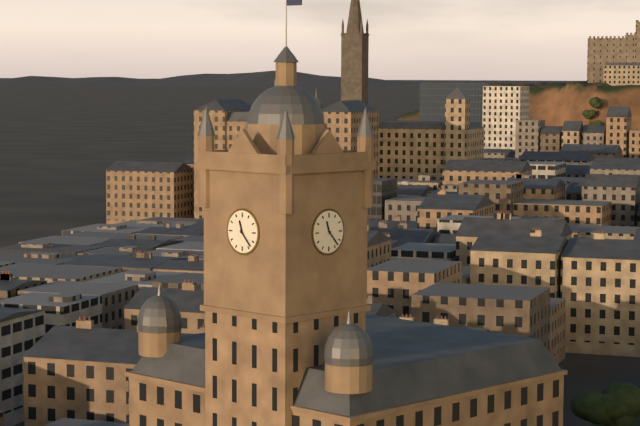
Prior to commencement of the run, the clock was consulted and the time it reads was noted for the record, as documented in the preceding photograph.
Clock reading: 11:23
